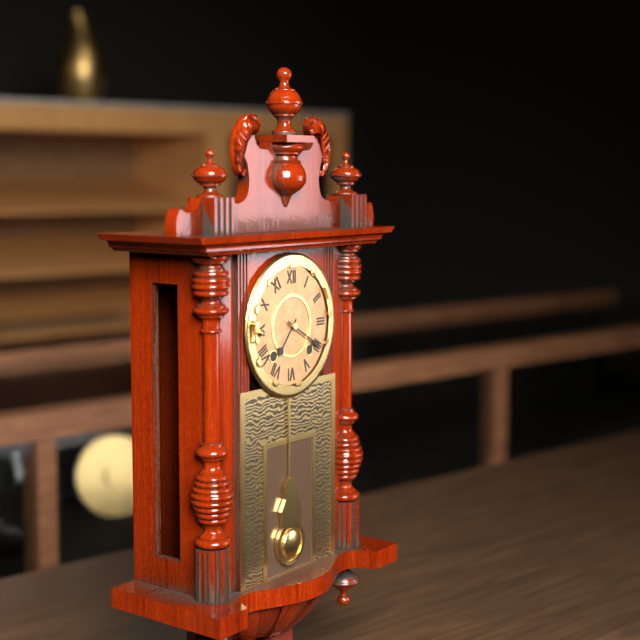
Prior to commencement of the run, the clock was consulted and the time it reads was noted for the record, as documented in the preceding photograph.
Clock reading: 7:20
